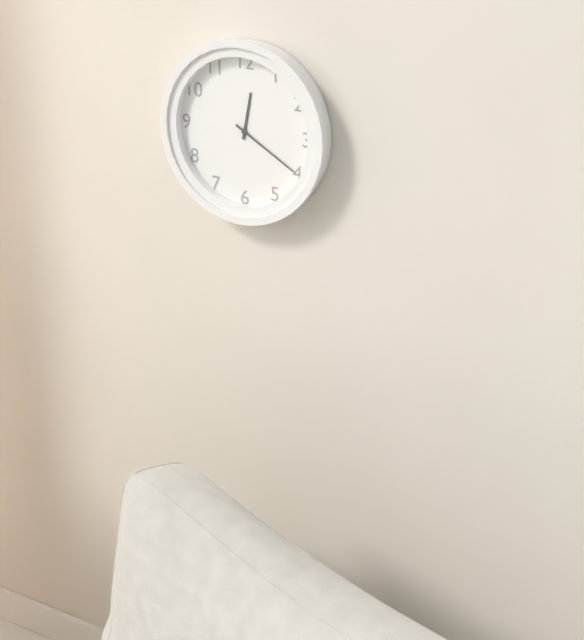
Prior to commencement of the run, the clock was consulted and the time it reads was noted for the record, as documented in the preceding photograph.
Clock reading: 12:20
